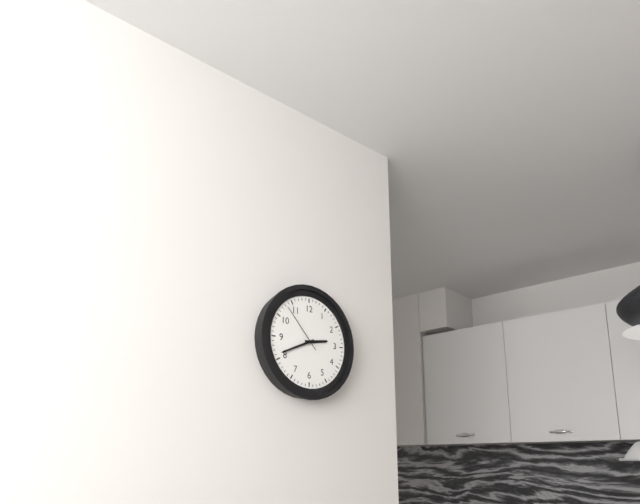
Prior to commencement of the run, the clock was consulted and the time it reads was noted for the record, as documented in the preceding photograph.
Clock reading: 2:41:53
